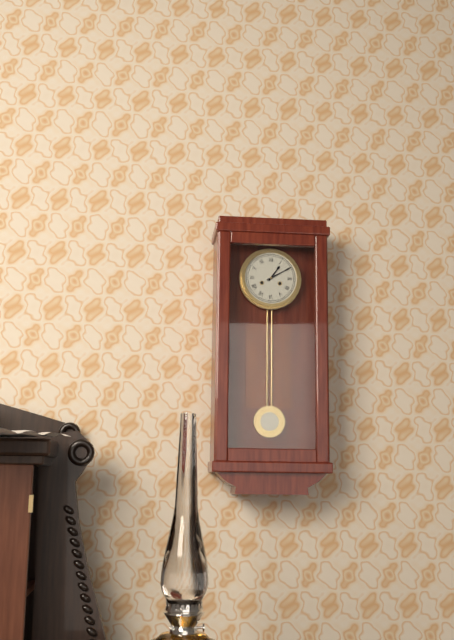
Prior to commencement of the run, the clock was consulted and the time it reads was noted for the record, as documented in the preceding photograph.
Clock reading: 1:10
